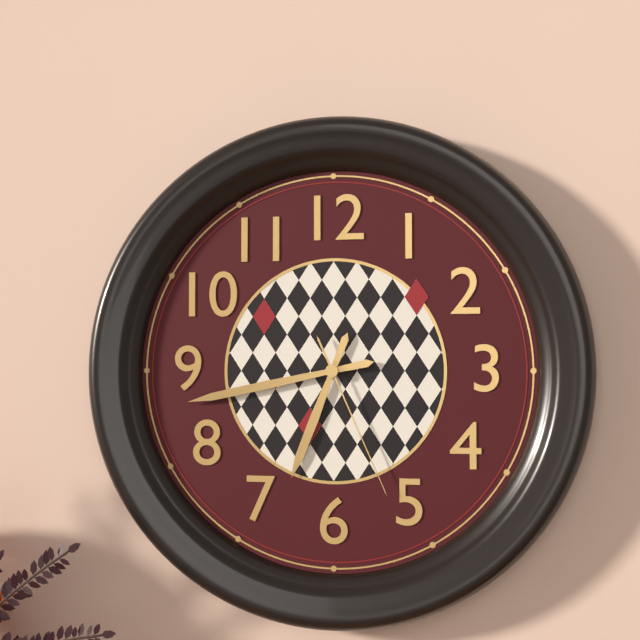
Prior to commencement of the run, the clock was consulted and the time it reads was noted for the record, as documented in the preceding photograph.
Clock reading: 6:43:26
